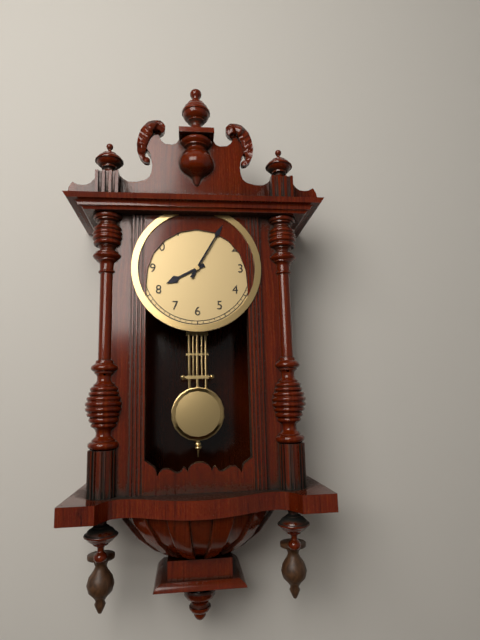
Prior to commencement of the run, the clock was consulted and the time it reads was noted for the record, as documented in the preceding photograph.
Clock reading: 8:05
